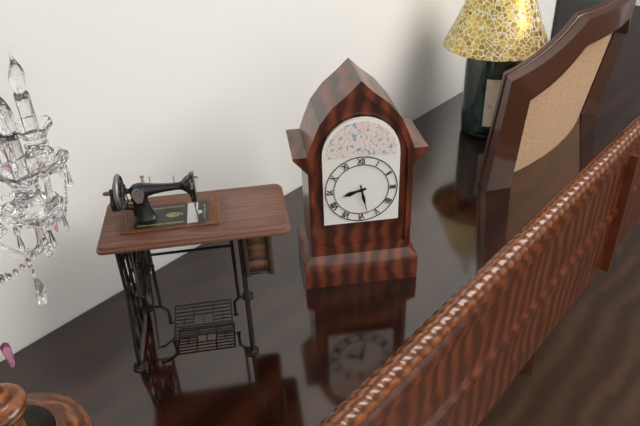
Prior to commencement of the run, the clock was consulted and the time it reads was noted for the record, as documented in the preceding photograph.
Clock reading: 8:28
